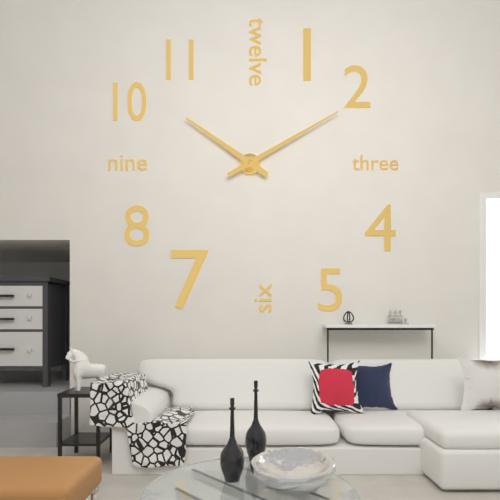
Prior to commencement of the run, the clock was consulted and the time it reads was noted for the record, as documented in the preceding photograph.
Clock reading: 10:10
